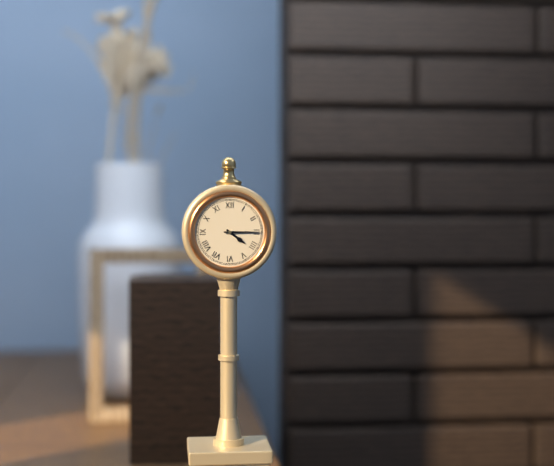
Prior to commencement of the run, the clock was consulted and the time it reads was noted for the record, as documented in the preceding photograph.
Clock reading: 4:15
